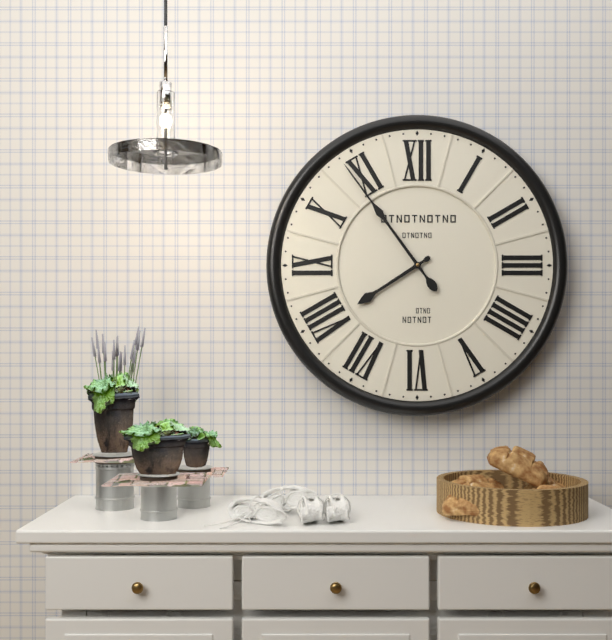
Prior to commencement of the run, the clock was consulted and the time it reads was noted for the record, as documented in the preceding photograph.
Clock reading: 7:54
